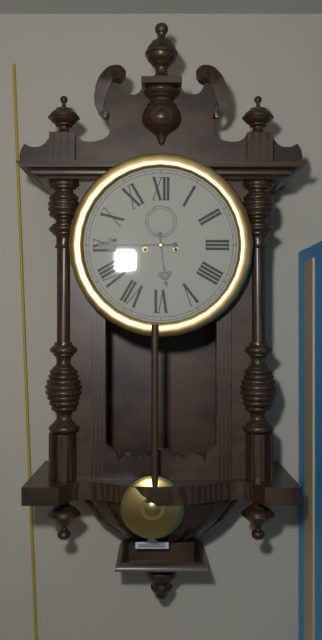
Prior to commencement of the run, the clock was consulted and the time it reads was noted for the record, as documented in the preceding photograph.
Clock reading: 5:45
